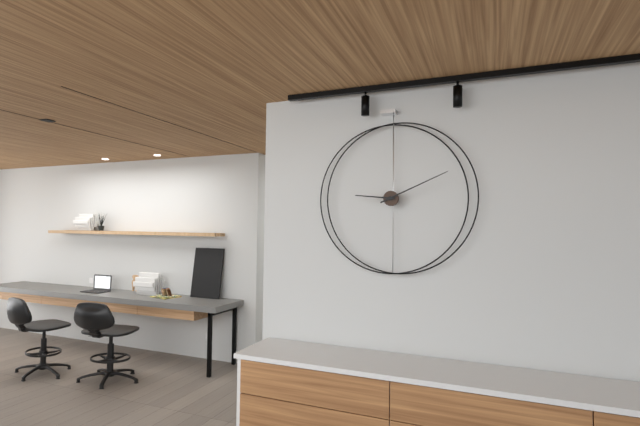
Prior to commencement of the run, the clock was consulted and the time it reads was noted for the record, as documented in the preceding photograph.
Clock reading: 9:11
